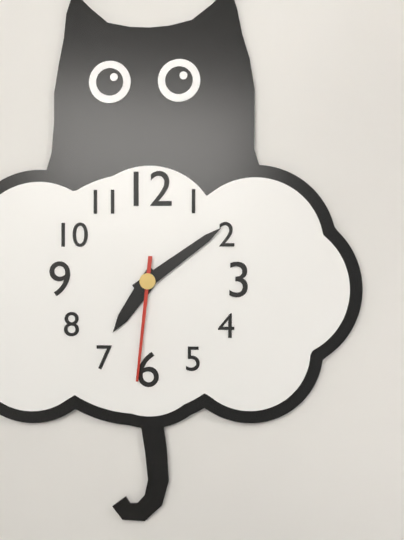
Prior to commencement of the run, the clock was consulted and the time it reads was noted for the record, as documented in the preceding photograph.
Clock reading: 7:09:31
